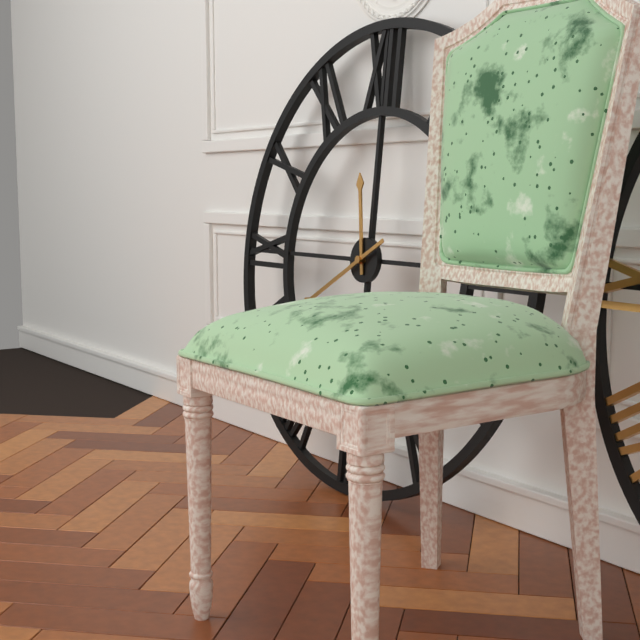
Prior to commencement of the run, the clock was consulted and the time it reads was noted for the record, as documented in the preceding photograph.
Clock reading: 11:40
